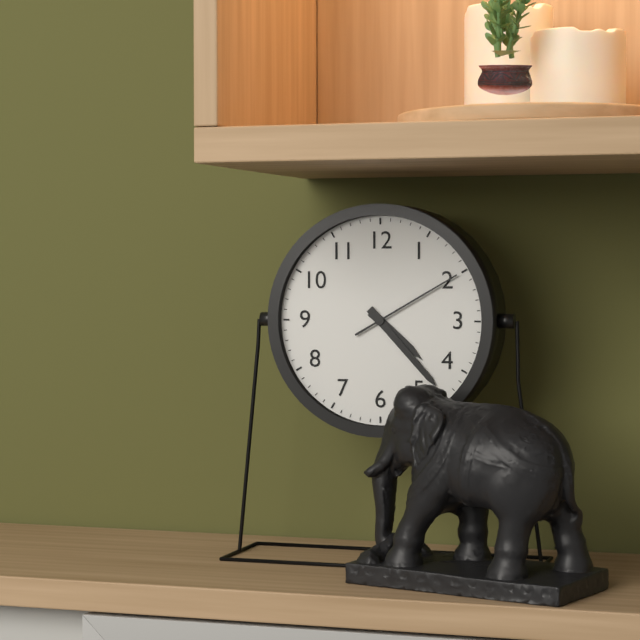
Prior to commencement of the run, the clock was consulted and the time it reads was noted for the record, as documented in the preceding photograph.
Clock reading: 4:23:10
